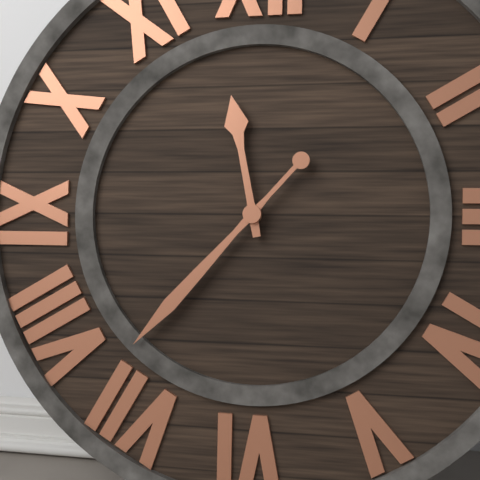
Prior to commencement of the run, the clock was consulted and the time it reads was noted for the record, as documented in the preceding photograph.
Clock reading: 11:37
